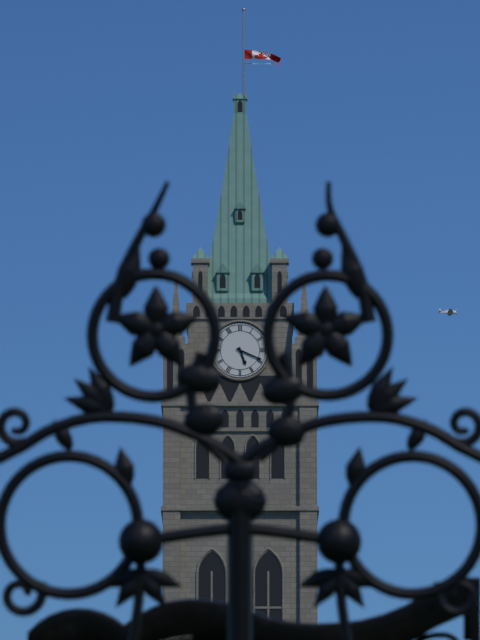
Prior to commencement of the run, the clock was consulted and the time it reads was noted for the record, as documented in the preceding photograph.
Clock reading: 5:19
